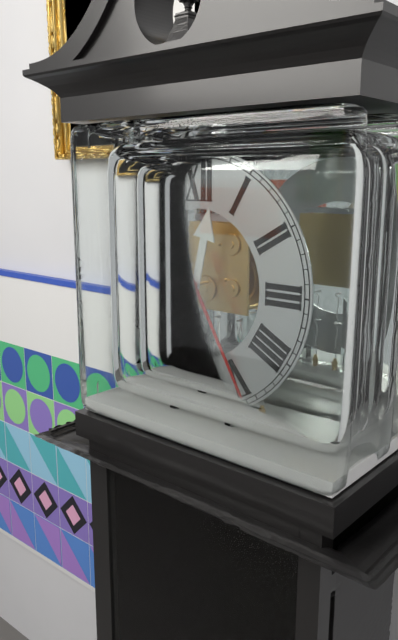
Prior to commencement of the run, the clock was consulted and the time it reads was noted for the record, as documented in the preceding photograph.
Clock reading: 12:25
